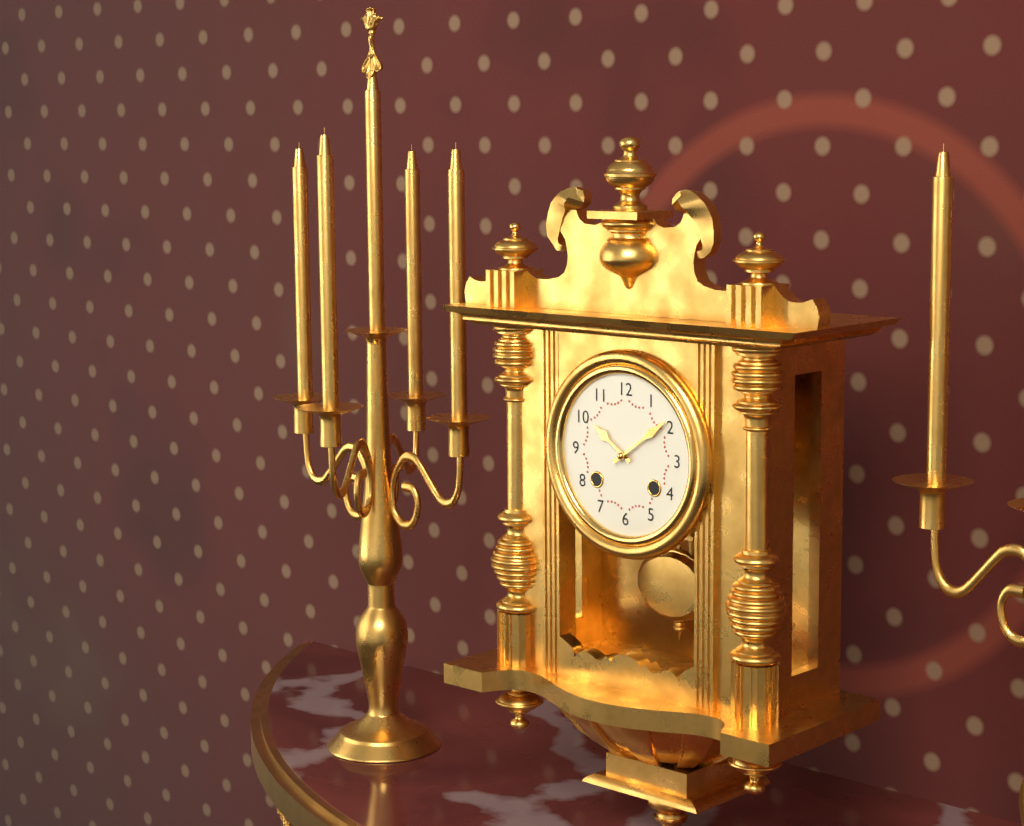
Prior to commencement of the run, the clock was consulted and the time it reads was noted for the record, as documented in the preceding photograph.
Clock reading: 10:09
